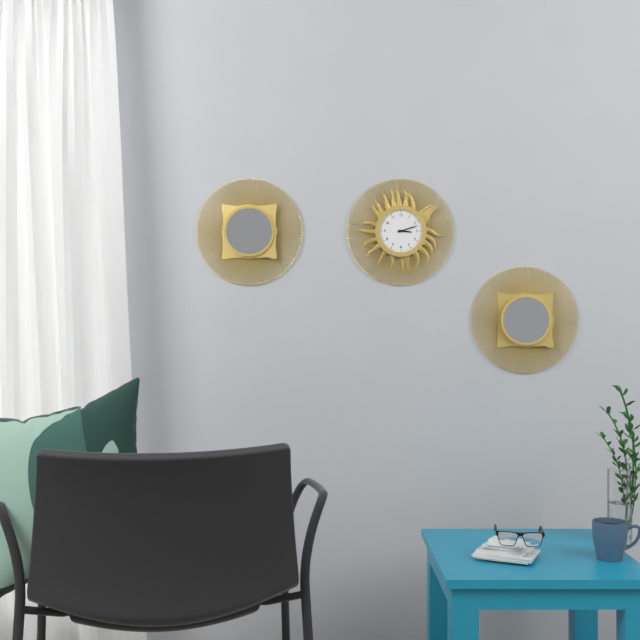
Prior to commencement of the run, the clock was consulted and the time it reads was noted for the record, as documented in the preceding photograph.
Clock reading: 3:12
